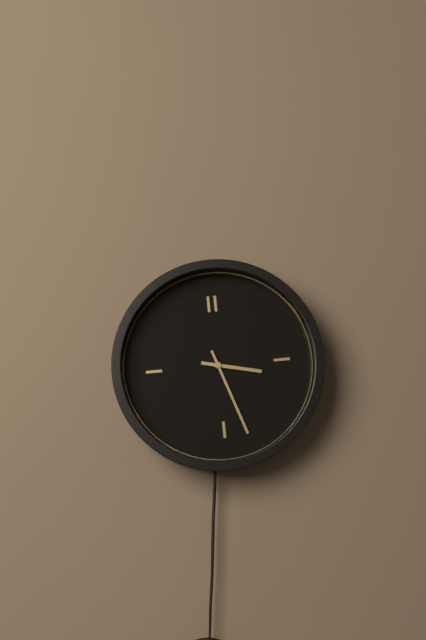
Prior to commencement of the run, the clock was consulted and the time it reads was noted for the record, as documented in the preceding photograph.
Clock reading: 3:27
